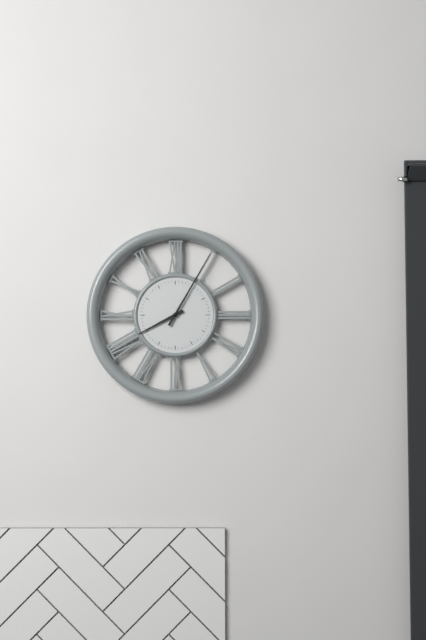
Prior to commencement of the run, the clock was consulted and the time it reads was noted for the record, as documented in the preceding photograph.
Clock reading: 8:05
